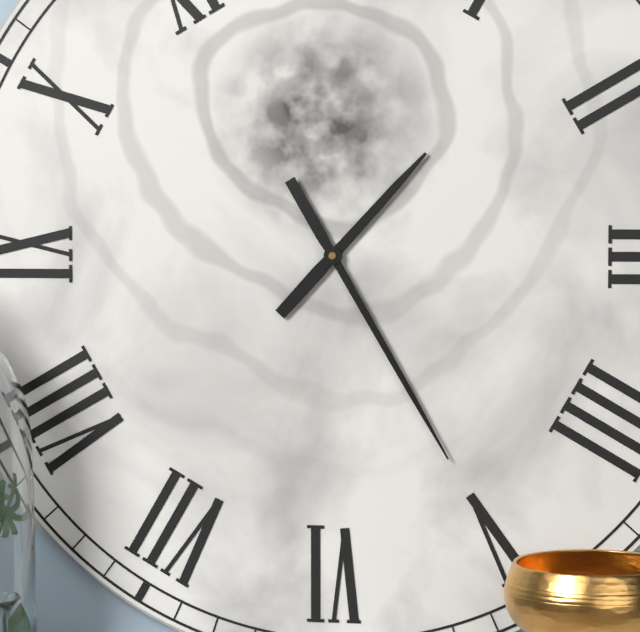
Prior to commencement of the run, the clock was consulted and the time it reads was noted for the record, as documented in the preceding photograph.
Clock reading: 1:25
